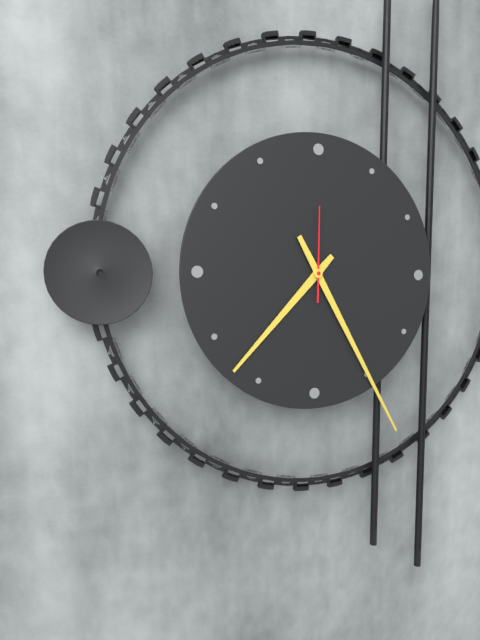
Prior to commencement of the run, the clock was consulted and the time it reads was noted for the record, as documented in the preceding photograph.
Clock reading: 7:25:00
